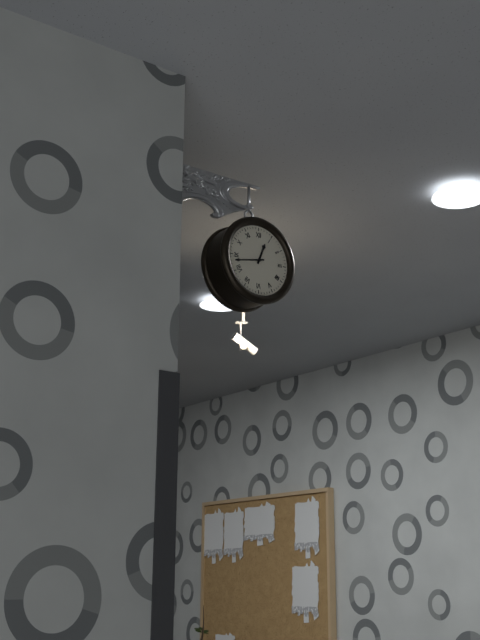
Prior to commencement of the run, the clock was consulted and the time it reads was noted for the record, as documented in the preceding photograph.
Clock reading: 12:43
